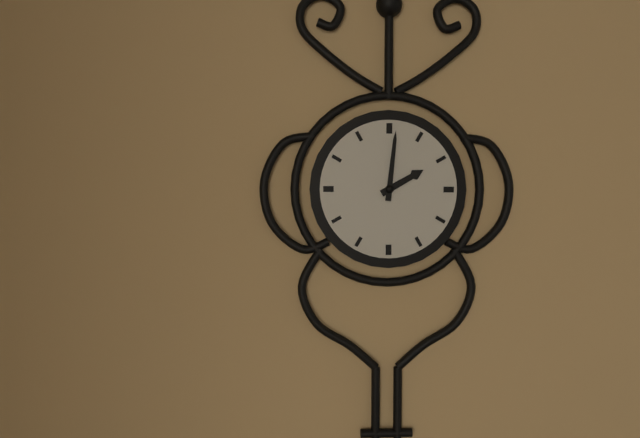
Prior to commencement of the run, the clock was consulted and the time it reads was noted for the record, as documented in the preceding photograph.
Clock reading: 2:01
